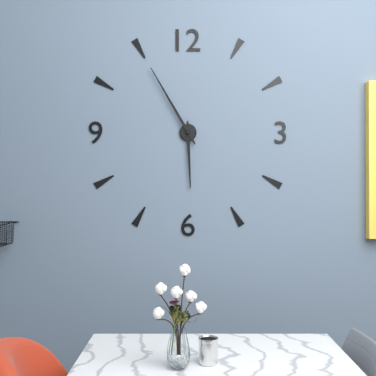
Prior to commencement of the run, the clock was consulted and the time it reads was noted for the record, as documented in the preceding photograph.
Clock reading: 5:55
